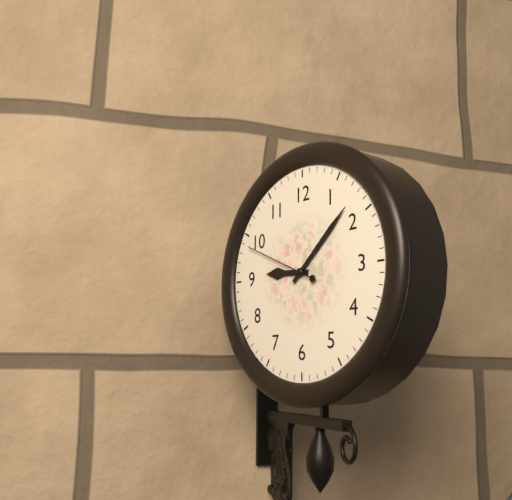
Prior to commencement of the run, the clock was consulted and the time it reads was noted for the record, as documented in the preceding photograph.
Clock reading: 9:08:49
